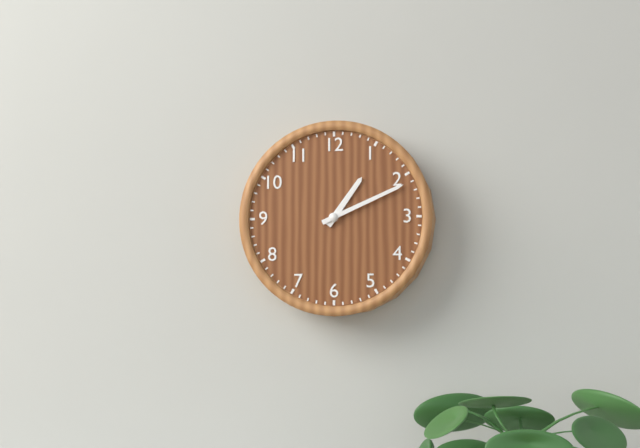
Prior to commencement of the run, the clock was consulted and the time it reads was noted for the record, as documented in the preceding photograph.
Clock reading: 1:11
